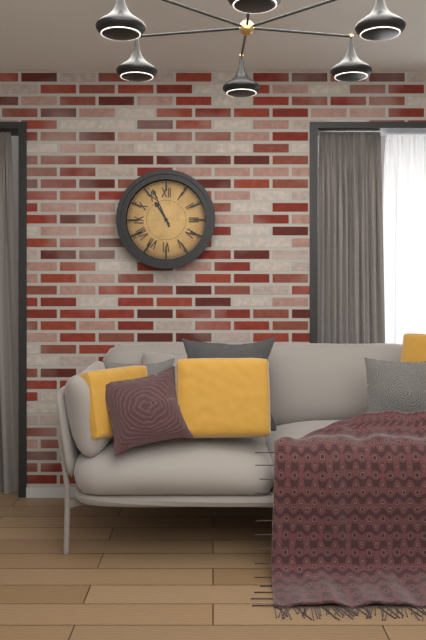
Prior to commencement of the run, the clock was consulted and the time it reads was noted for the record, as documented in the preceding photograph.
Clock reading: 10:56
